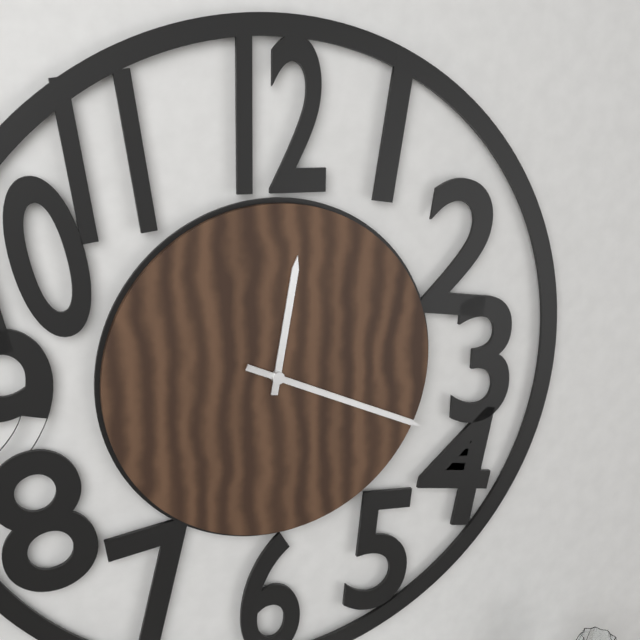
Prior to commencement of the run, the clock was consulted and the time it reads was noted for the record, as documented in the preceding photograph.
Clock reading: 12:19
